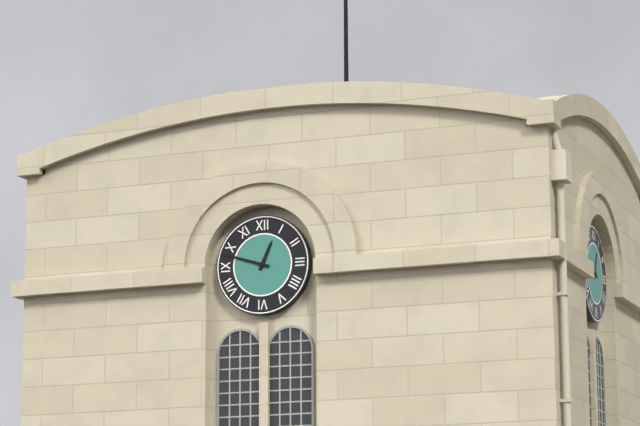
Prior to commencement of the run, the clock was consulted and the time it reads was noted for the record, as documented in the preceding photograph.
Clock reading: 12:48
